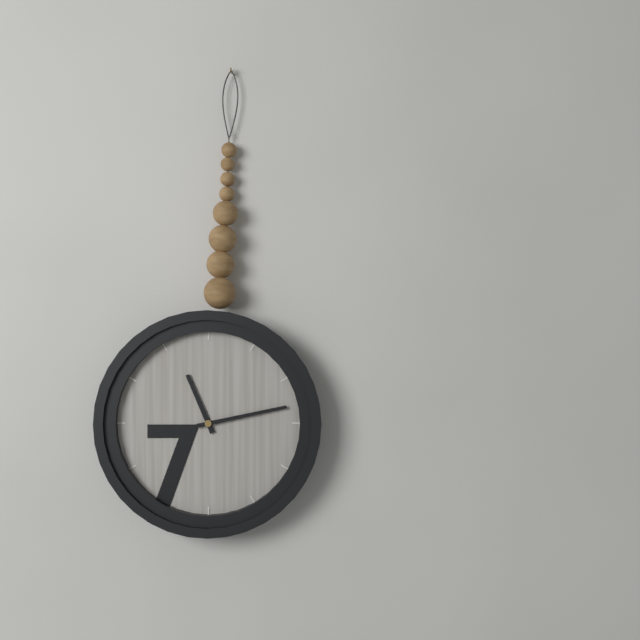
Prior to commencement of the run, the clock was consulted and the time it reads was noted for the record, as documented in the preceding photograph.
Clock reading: 11:13
